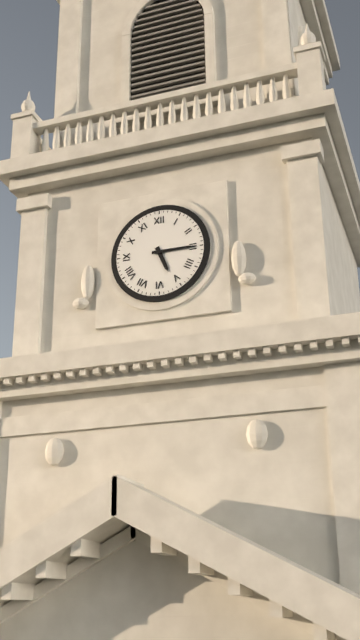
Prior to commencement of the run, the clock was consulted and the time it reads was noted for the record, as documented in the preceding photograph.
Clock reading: 5:15
